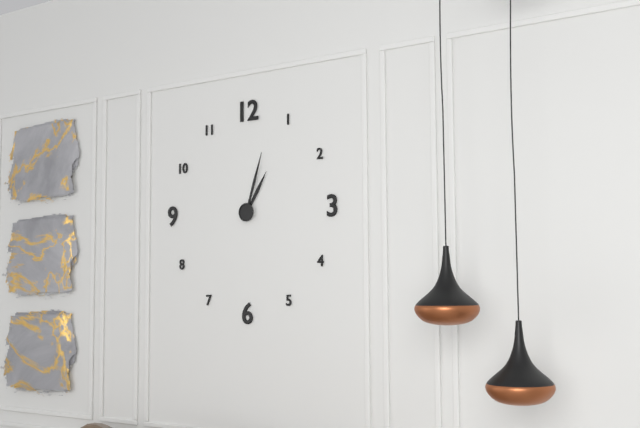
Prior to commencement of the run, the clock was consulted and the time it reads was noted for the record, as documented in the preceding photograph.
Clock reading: 1:03
